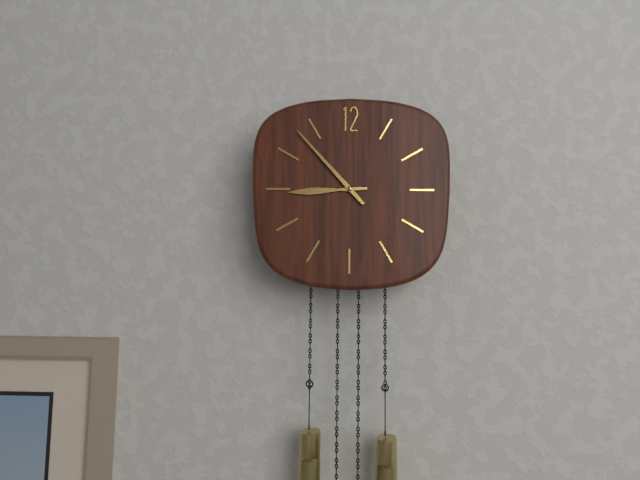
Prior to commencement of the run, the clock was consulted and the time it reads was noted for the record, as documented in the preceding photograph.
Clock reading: 8:53
